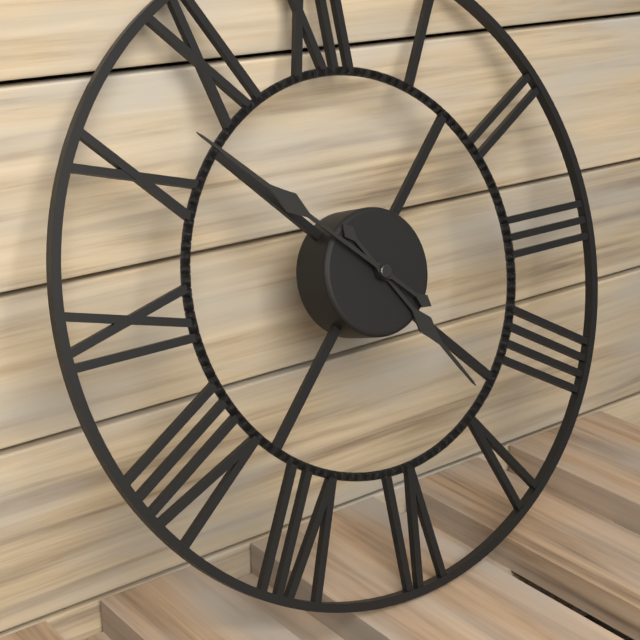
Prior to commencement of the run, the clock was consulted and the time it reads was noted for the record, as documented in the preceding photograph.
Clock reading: 4:52
